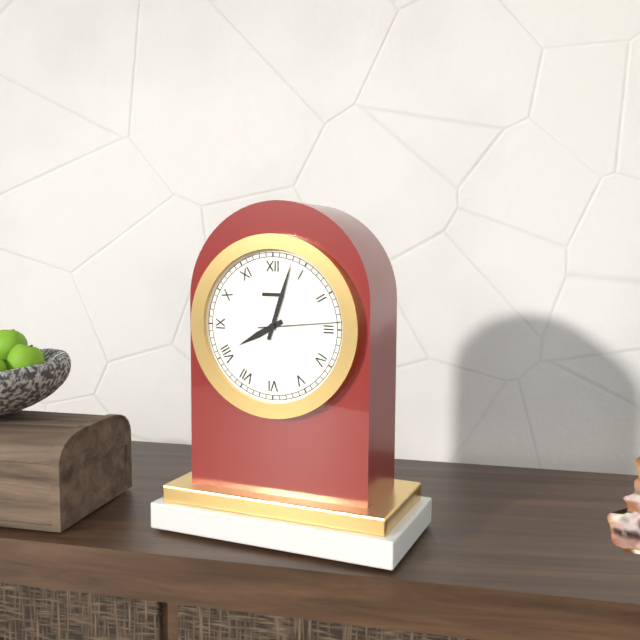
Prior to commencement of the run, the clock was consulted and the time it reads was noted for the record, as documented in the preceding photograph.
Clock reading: 8:03:14
